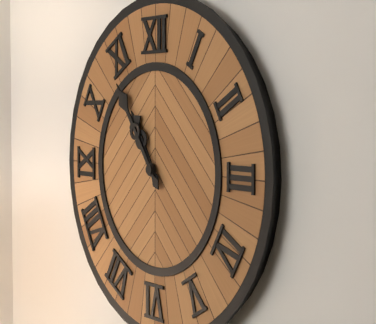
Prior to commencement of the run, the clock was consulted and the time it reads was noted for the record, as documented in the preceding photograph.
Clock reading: 10:54
